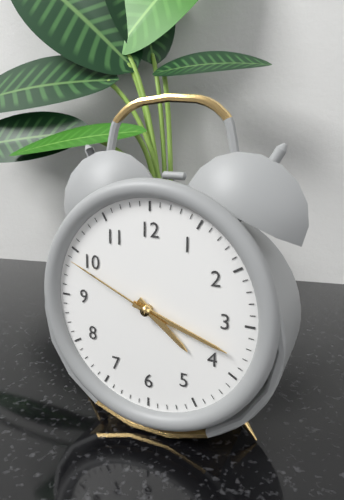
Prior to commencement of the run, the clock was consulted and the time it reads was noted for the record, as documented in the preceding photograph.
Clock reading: 4:18:49
